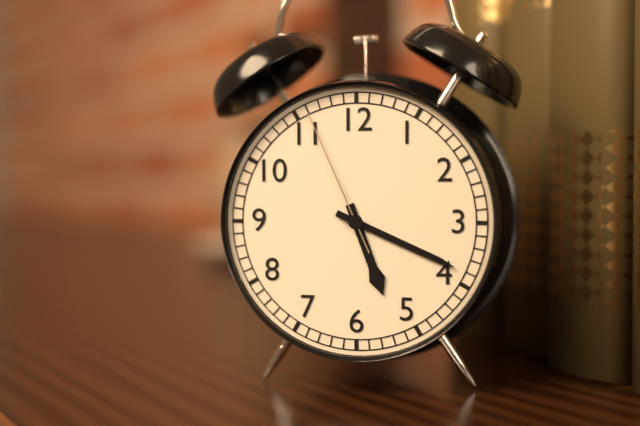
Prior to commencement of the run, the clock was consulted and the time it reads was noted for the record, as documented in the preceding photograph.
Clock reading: 5:19:56
